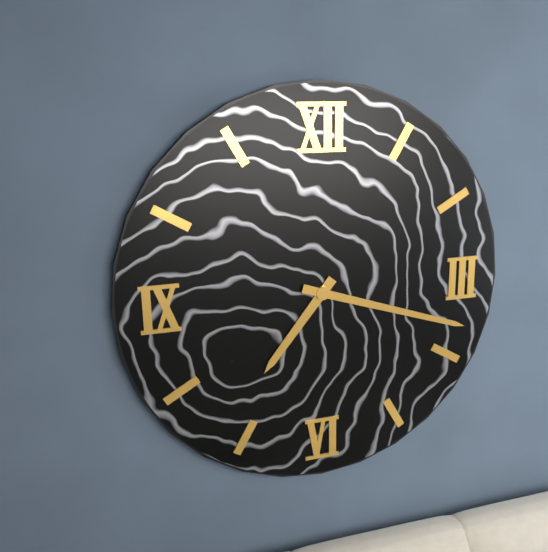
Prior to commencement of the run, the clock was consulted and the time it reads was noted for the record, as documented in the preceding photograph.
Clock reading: 7:18
